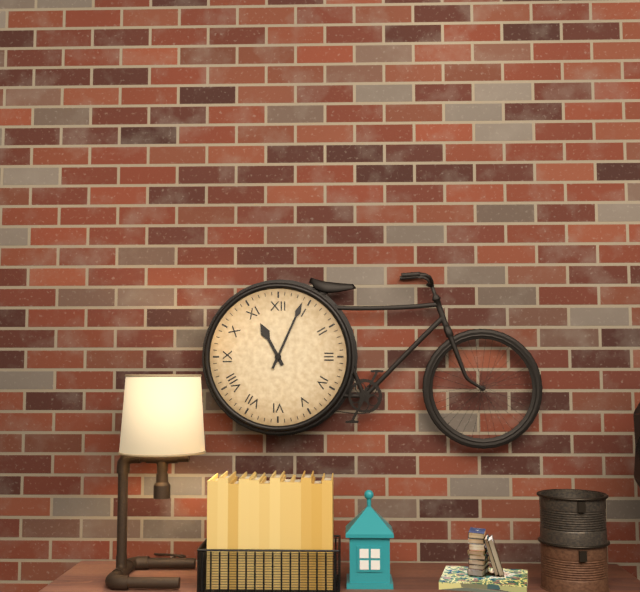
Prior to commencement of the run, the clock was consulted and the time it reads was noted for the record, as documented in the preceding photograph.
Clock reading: 11:04
